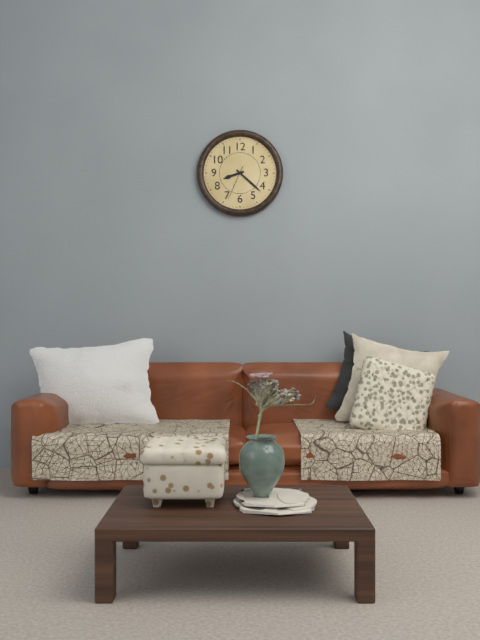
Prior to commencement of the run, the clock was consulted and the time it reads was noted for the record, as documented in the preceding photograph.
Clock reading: 8:22
